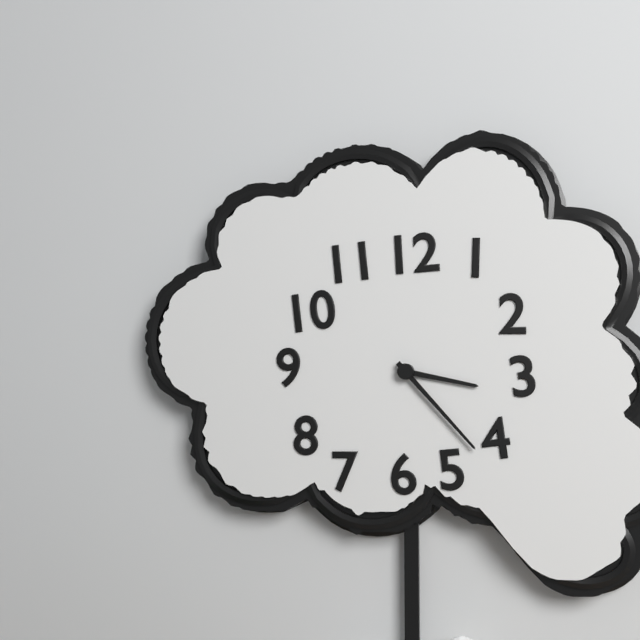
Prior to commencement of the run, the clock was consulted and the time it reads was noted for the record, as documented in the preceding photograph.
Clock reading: 3:23
